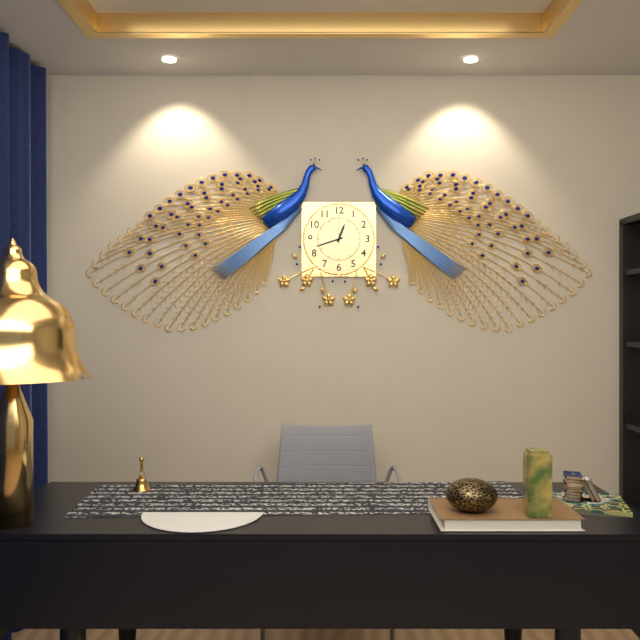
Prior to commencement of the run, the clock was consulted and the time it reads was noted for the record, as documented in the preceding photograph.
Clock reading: 12:42
